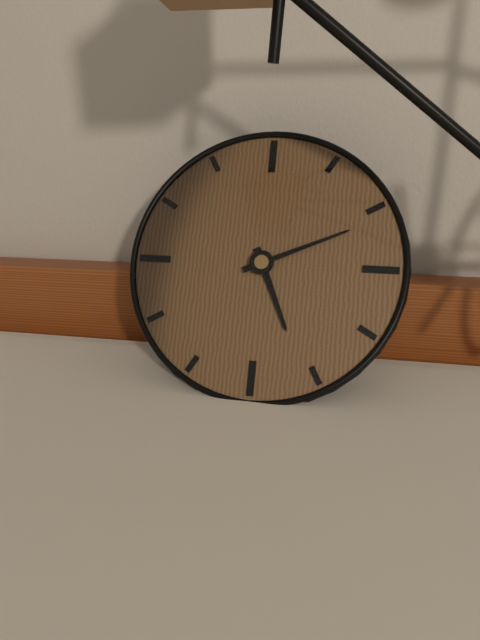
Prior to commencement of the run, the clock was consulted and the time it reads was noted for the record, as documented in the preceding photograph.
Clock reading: 5:11
